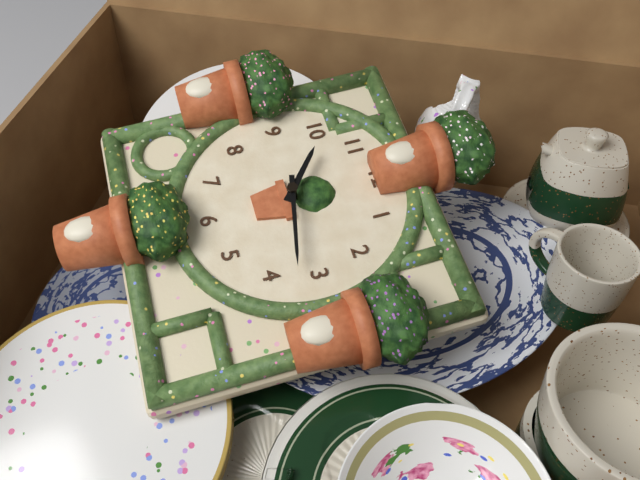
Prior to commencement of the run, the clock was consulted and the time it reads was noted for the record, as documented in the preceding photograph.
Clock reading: 10:17
